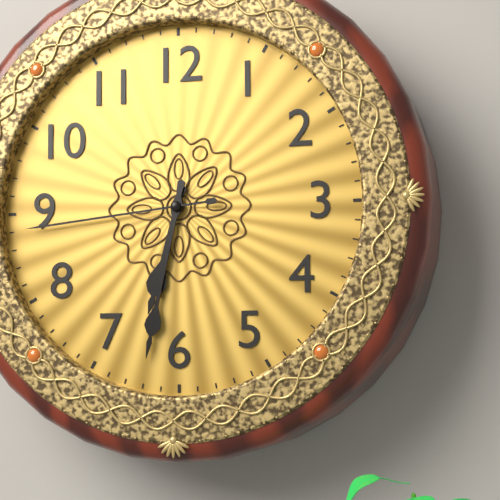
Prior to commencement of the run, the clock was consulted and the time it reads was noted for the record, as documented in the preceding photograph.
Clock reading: 6:32:44
